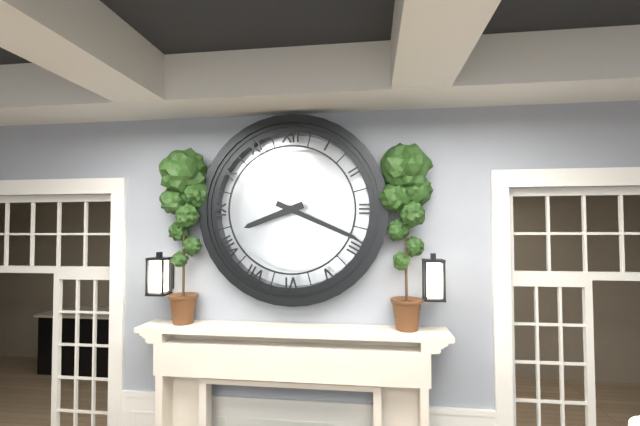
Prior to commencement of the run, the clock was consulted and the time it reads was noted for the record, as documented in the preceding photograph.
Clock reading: 8:19
